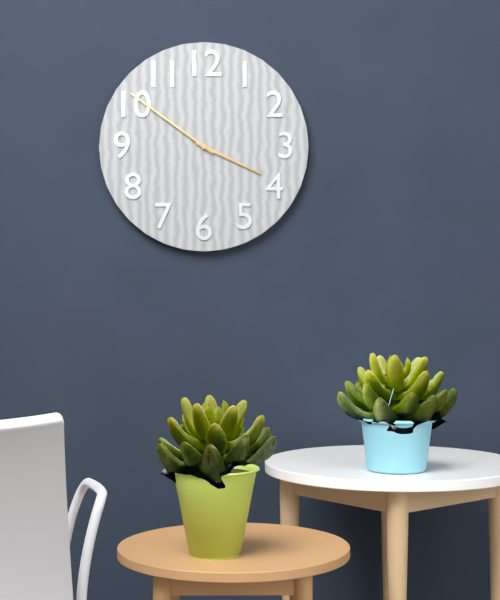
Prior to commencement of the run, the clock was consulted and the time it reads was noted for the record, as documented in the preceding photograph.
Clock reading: 3:51
